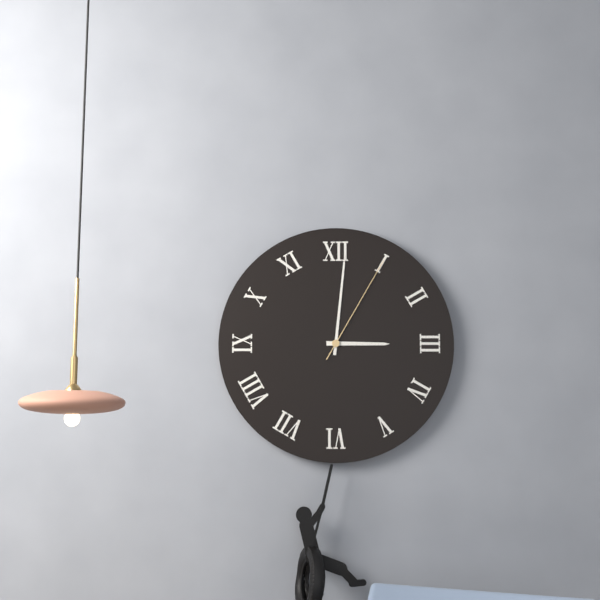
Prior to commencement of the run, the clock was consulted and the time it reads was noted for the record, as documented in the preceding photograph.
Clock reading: 3:01:05
